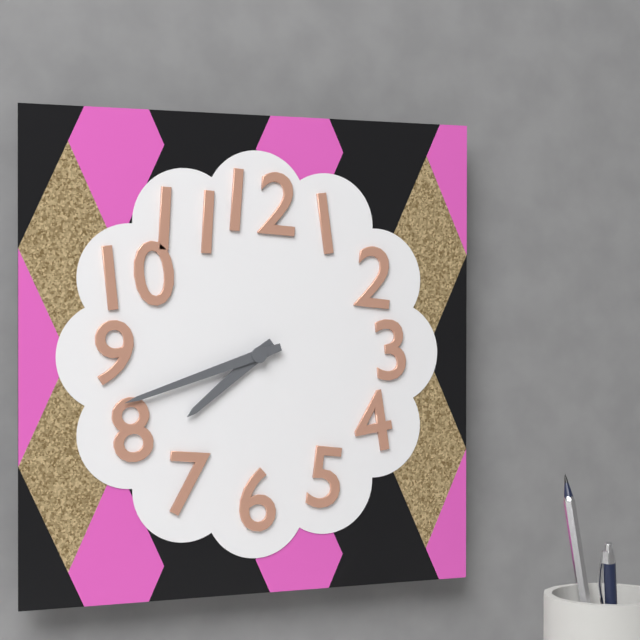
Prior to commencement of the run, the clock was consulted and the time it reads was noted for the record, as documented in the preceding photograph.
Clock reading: 7:42
